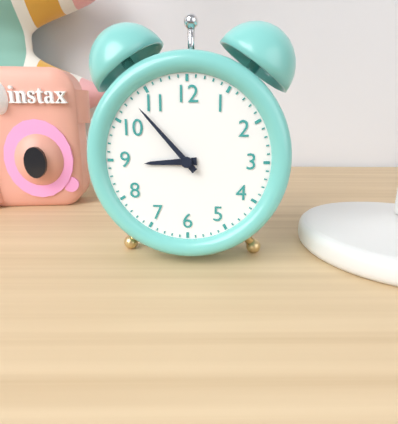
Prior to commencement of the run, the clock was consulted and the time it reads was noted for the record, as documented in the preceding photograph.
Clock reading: 8:53
